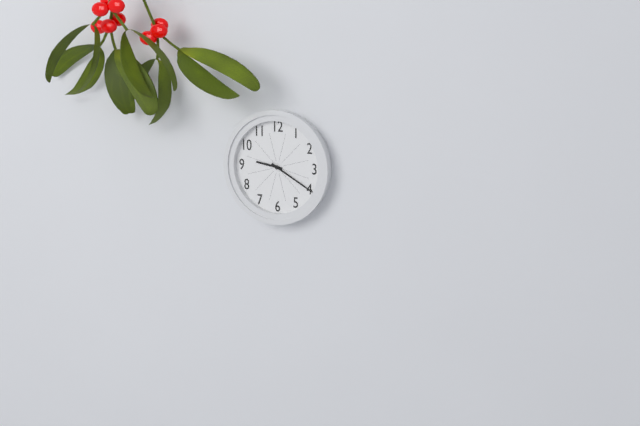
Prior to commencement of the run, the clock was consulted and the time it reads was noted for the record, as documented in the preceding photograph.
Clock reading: 9:20
